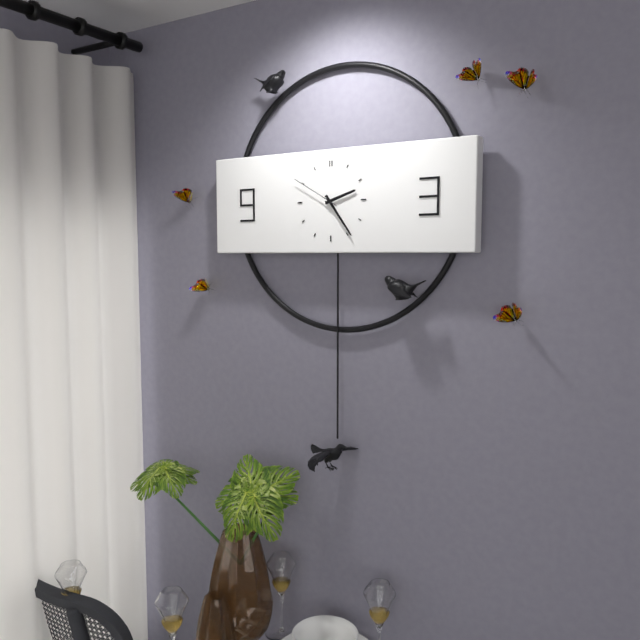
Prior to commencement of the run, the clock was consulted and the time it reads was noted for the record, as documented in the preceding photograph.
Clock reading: 2:24:50
